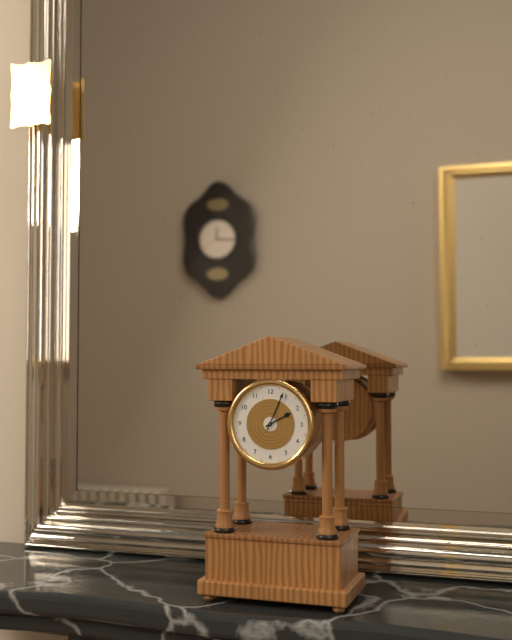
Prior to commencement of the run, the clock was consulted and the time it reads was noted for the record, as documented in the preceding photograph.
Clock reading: 2:04
